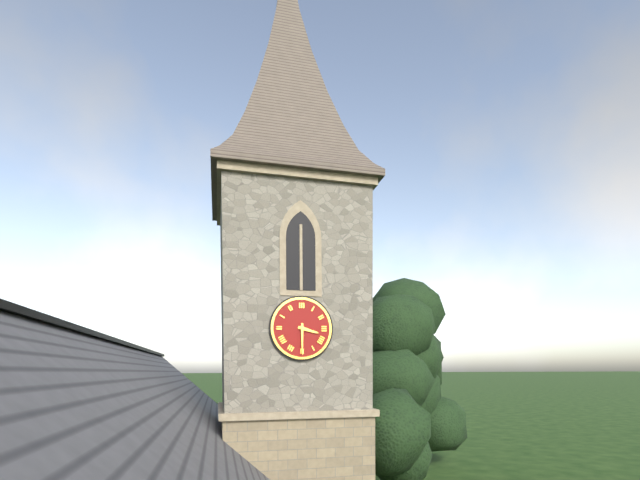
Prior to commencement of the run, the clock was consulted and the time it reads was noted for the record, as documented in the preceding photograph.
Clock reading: 3:30
